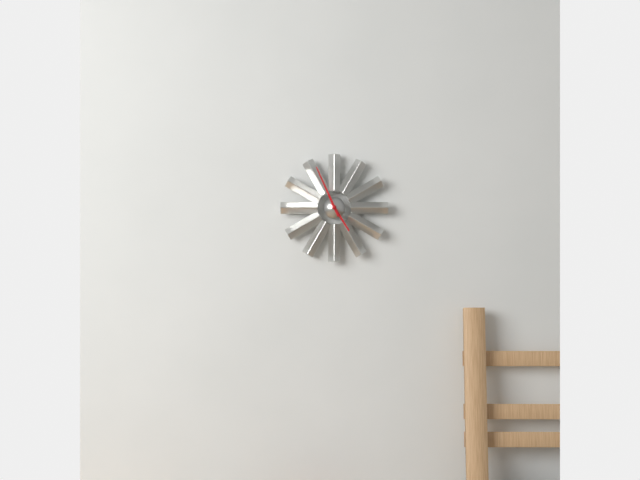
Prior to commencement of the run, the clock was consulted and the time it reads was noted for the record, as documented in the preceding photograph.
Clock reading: 4:56
